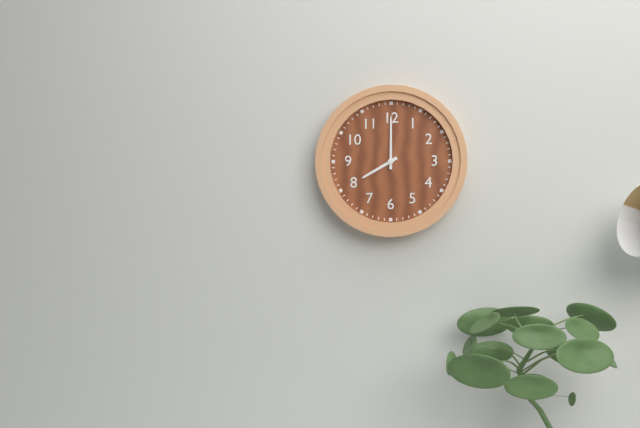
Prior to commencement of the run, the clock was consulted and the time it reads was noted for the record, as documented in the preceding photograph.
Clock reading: 8:00
